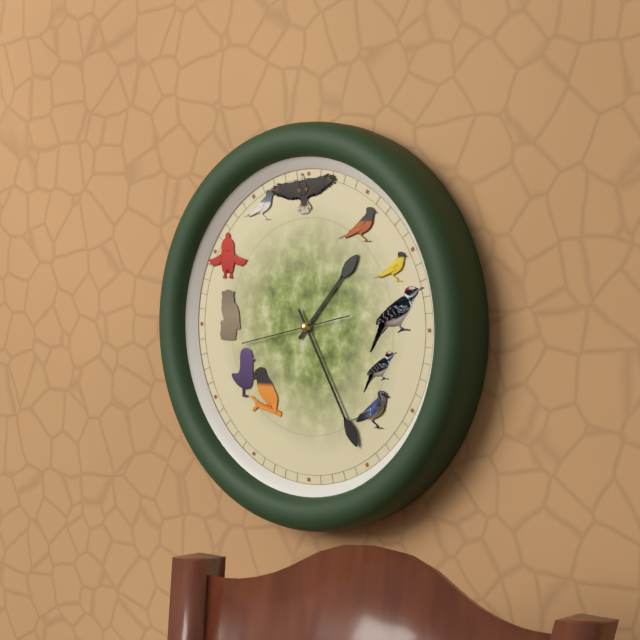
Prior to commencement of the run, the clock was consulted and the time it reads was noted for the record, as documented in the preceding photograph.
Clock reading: 1:25:43
